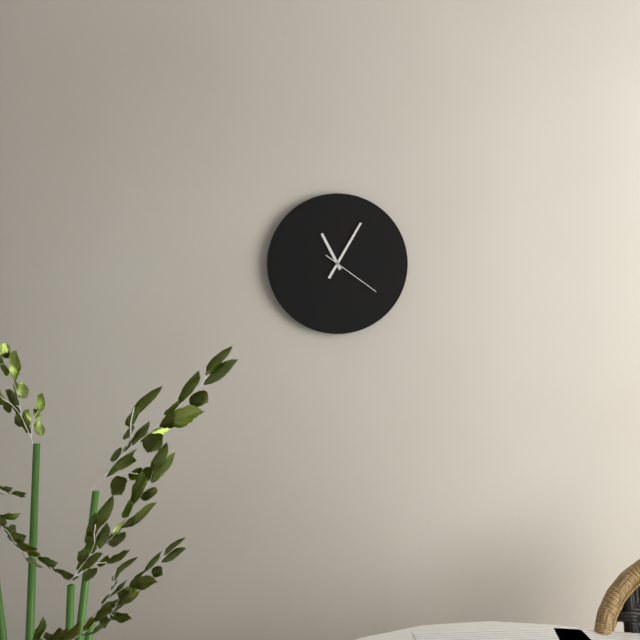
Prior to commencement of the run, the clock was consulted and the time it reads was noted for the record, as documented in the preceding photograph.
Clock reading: 11:05:21
